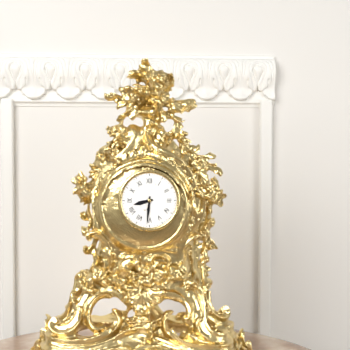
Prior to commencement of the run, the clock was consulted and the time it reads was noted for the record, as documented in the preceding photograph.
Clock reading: 8:31
